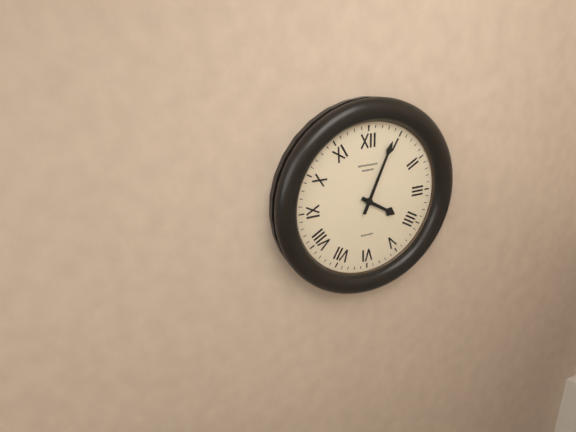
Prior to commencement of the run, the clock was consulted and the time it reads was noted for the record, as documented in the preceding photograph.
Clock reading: 4:04
